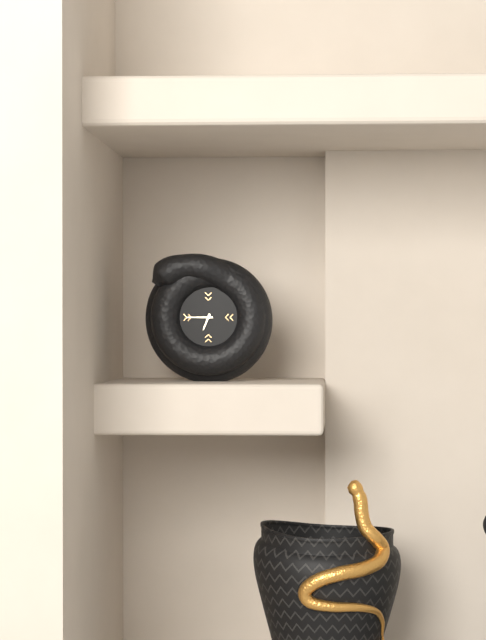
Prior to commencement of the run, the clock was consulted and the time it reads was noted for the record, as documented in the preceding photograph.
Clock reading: 6:45
